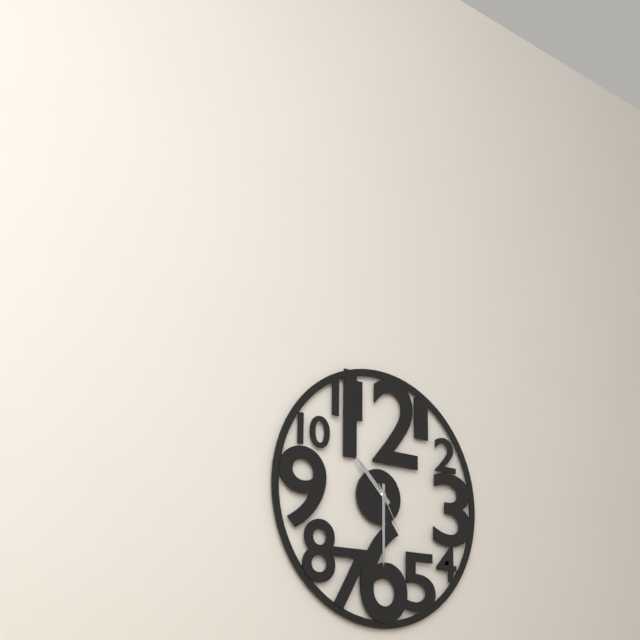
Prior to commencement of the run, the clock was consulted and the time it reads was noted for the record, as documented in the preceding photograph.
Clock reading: 10:30
